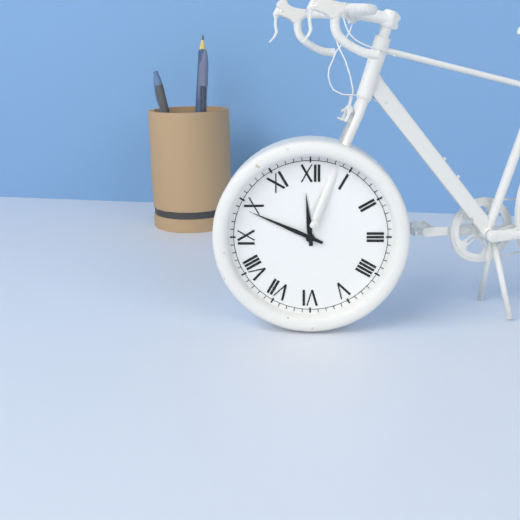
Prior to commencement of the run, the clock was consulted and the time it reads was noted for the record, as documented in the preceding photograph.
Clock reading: 11:49
